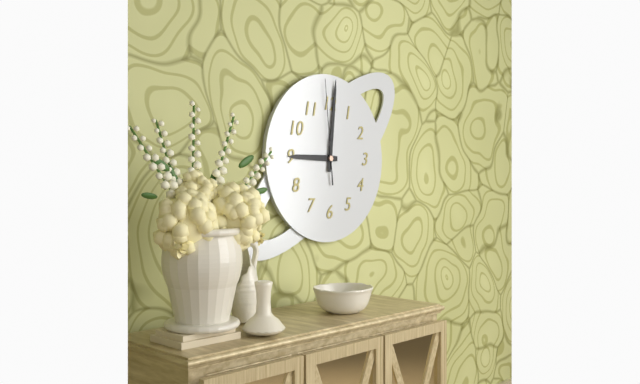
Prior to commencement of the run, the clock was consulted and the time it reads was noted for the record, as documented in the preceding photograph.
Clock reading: 9:01:59
